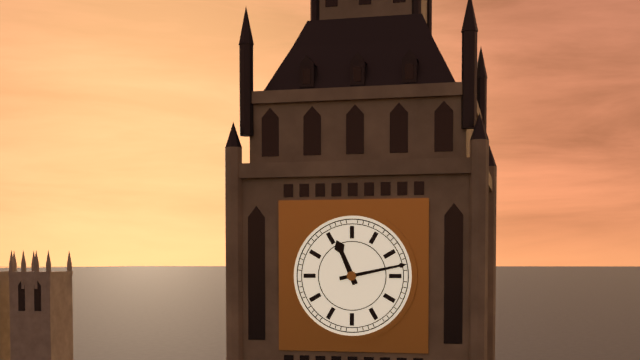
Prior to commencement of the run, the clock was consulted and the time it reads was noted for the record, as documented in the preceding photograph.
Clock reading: 11:13
